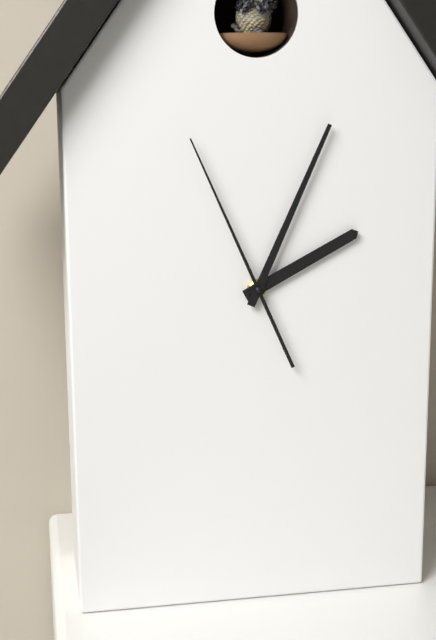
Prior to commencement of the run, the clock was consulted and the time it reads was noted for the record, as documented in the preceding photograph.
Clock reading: 2:04:56
